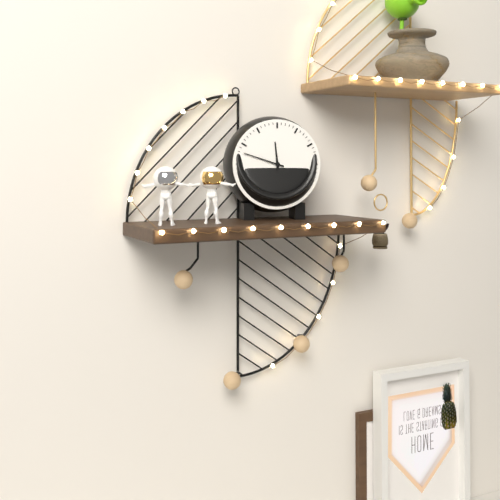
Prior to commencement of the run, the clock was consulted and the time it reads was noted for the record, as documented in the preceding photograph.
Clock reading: 11:48
